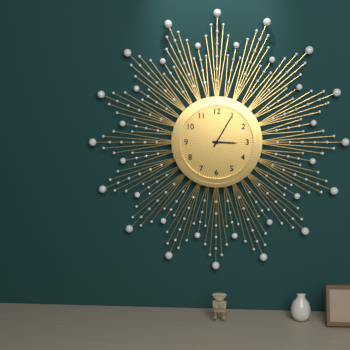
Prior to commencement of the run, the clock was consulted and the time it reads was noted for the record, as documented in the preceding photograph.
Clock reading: 3:05
